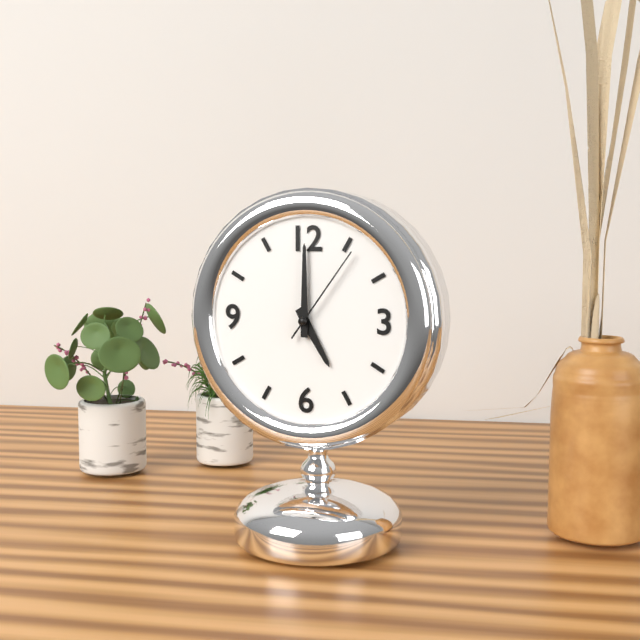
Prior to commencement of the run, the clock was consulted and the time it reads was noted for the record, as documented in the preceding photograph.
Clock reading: 5:00:06
